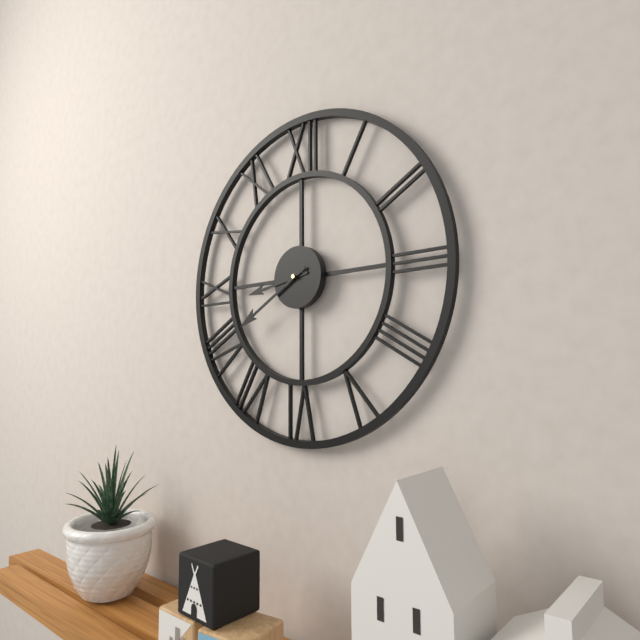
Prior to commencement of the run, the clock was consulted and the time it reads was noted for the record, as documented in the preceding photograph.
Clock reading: 8:40
